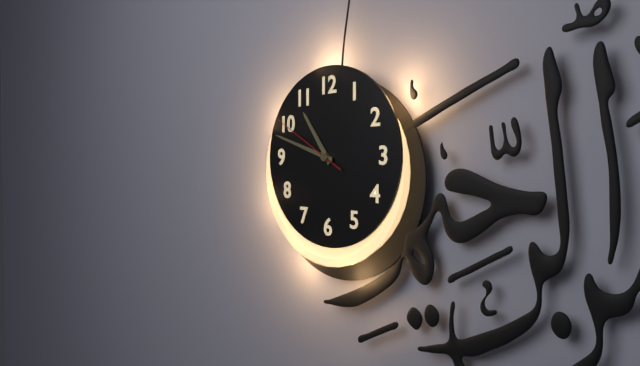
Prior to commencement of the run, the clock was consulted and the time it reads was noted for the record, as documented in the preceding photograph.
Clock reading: 10:48:50
